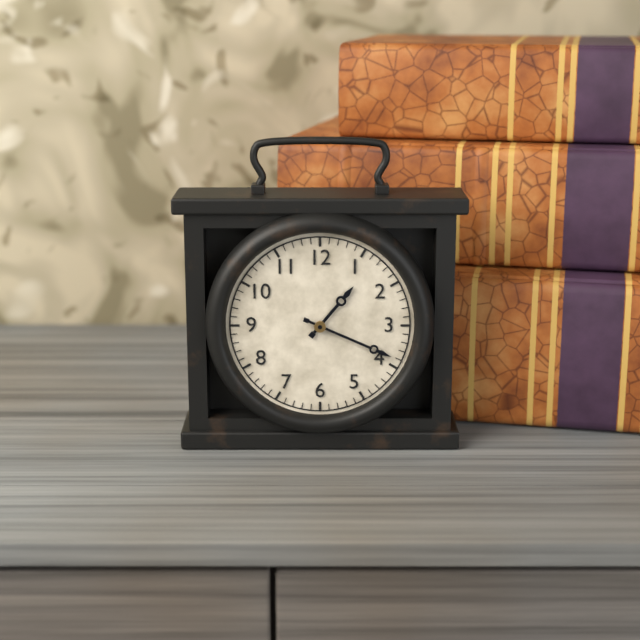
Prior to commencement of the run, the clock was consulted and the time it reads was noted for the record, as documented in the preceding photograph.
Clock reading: 1:19
